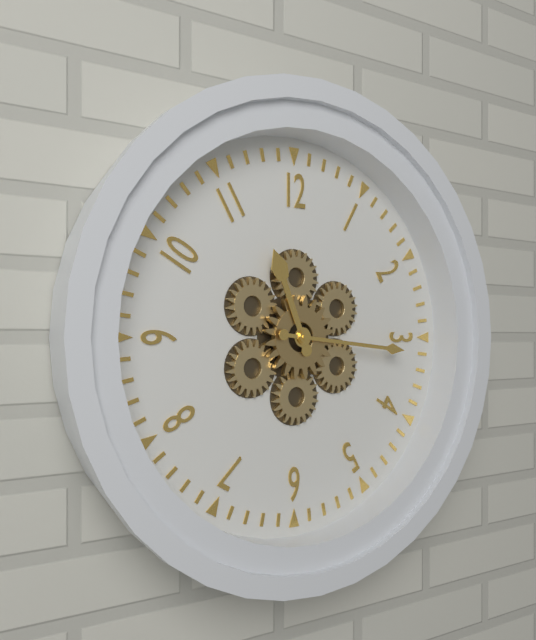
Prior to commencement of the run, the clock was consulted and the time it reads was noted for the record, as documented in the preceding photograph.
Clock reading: 11:16
